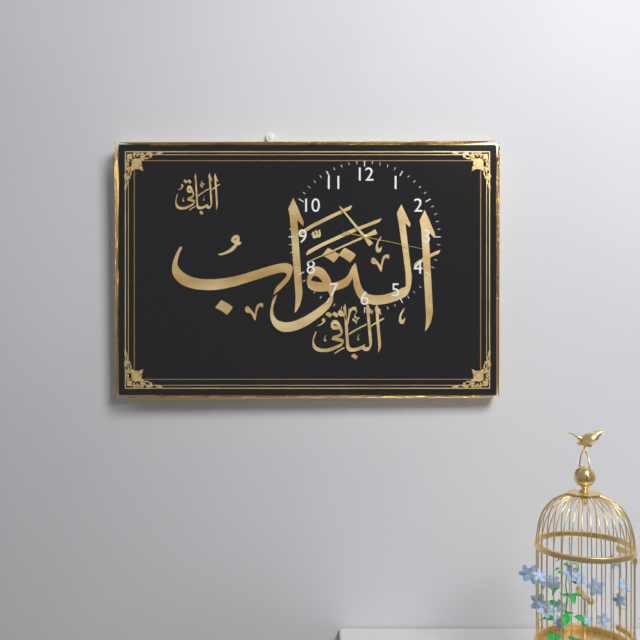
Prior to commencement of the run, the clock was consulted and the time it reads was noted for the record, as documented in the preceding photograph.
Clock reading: 10:41:17
